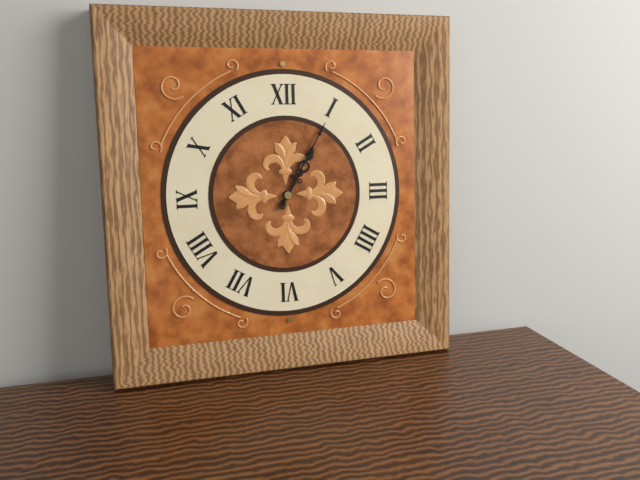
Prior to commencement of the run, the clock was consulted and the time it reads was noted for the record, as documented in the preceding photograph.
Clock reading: 1:05
